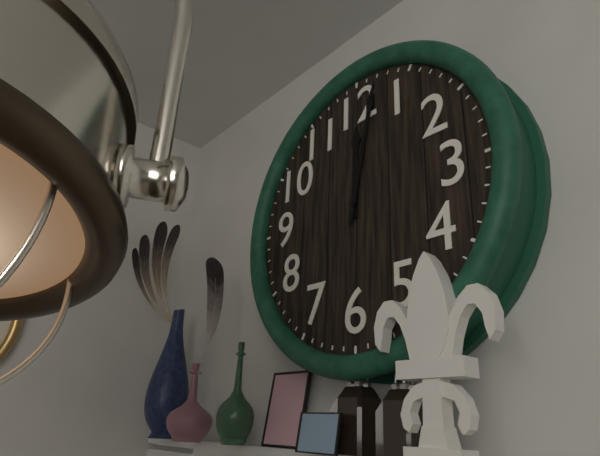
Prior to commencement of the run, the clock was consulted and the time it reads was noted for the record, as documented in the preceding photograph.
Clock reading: 12:02
